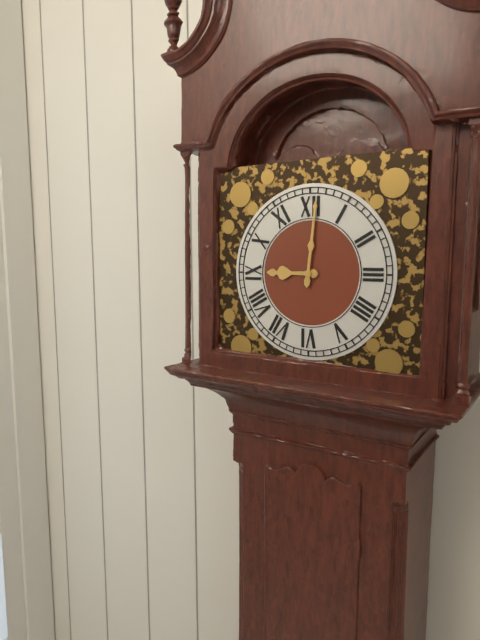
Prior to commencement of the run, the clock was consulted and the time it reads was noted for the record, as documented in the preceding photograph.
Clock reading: 9:01
